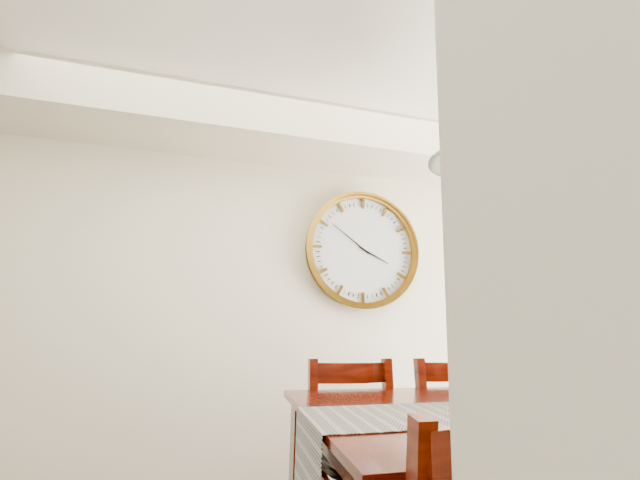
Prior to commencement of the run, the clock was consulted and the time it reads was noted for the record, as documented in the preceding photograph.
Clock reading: 3:51
